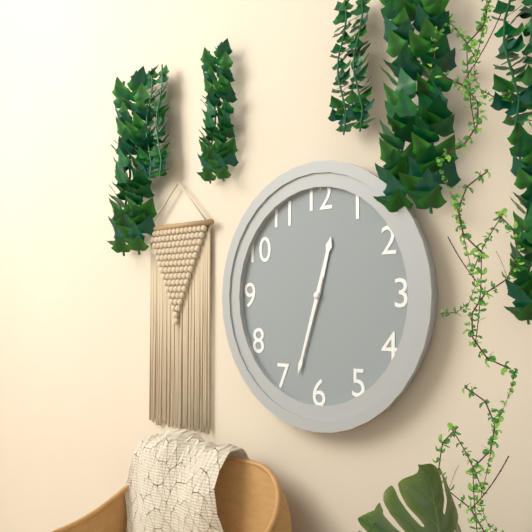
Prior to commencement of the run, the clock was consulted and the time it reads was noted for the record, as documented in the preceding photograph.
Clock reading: 12:33
